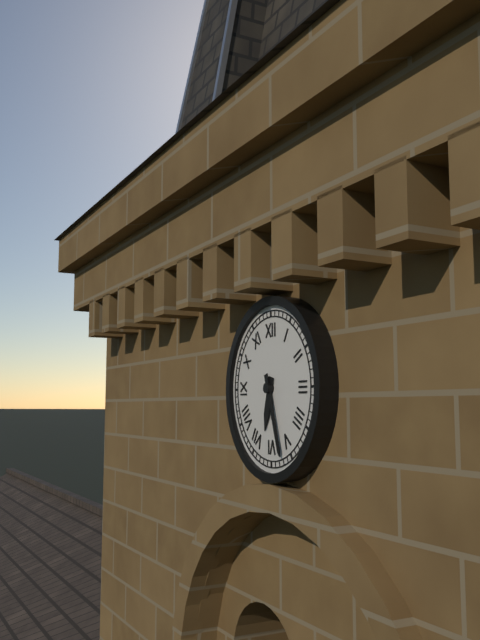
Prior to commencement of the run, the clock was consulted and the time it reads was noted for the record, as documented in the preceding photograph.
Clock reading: 6:27
